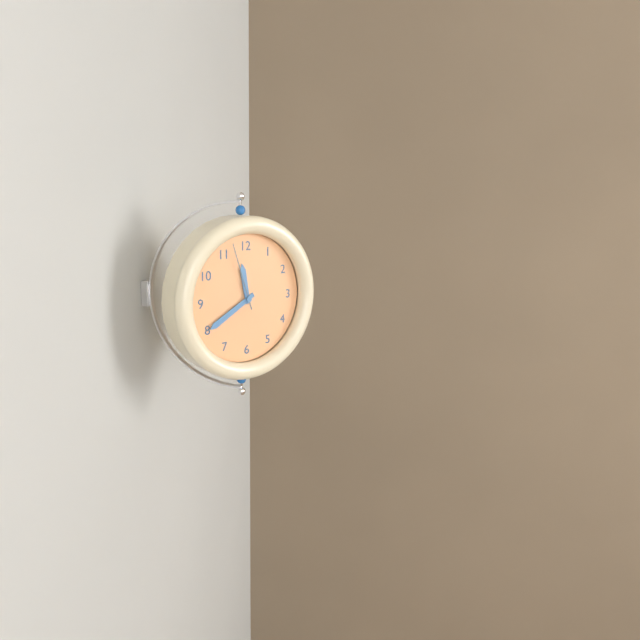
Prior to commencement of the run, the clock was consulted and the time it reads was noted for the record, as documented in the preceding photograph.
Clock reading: 11:40:57
